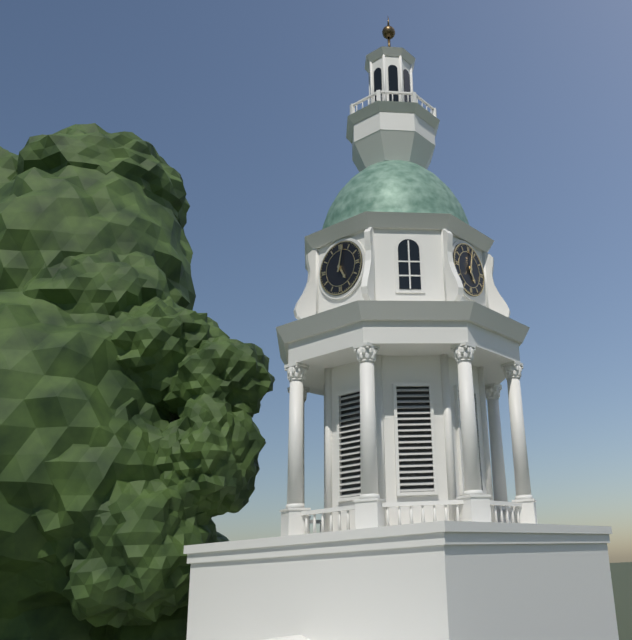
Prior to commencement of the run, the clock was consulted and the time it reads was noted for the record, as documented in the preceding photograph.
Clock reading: 5:02
